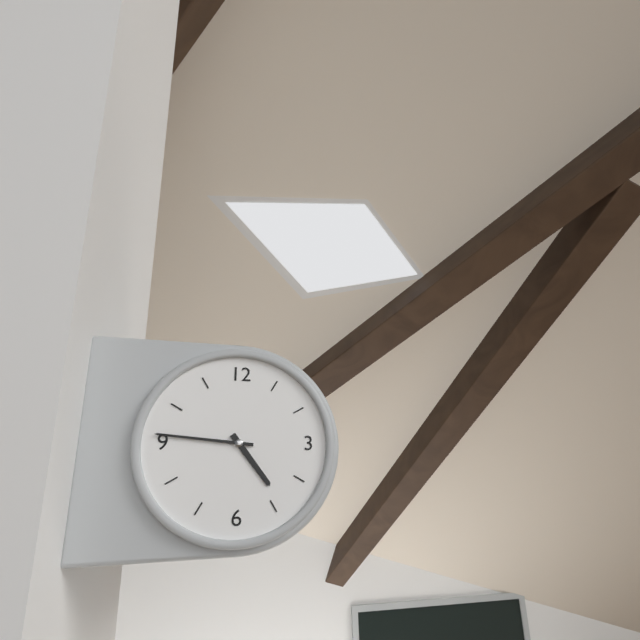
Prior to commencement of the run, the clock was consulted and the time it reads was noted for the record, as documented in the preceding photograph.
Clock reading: 4:46
